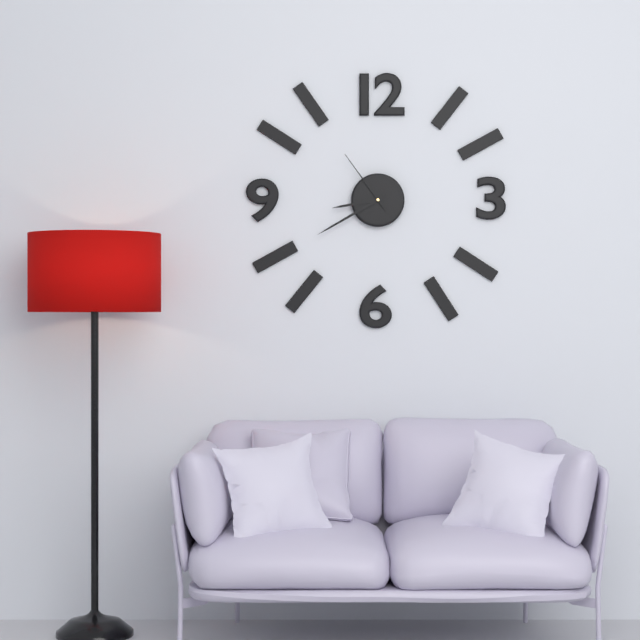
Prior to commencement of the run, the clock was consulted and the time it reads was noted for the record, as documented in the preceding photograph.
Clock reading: 8:40:54
